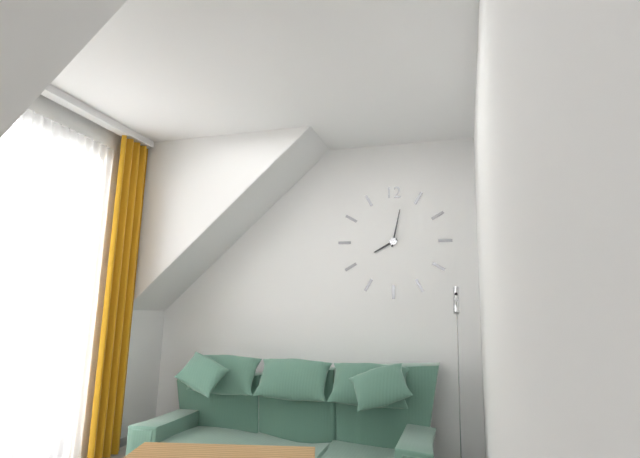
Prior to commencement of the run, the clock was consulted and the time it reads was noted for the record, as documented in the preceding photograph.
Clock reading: 8:02
